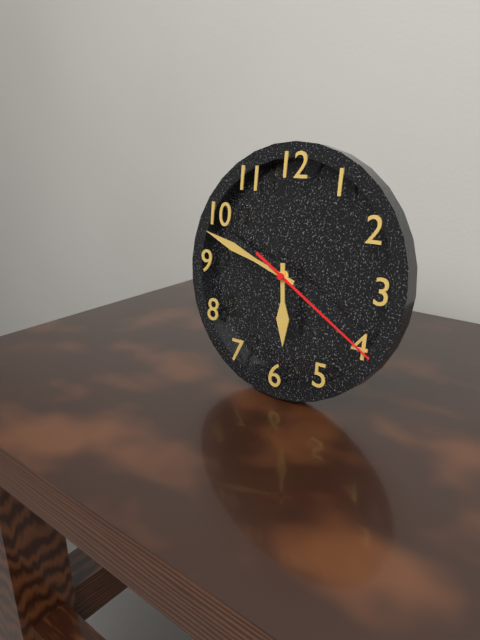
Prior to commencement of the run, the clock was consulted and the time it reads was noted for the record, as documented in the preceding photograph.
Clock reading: 5:48:20
